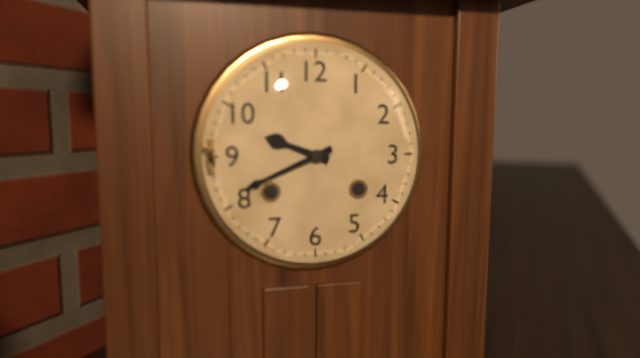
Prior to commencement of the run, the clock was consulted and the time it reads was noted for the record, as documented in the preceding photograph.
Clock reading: 9:41
